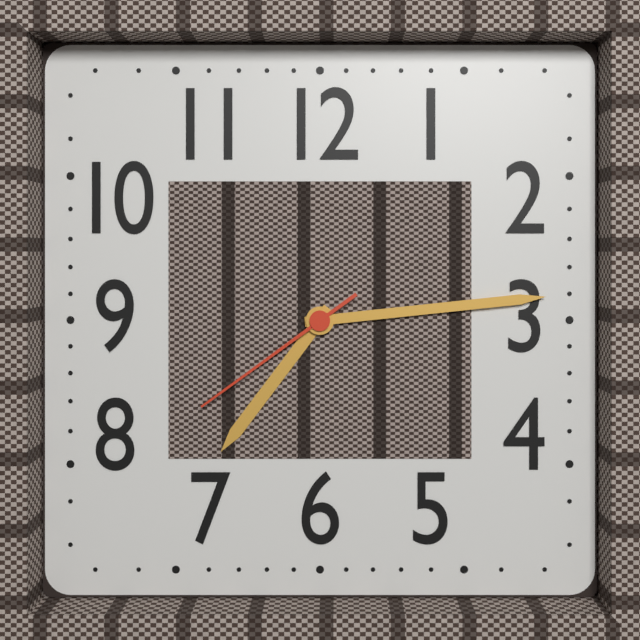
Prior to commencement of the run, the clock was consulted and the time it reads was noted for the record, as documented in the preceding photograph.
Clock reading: 7:14:39
